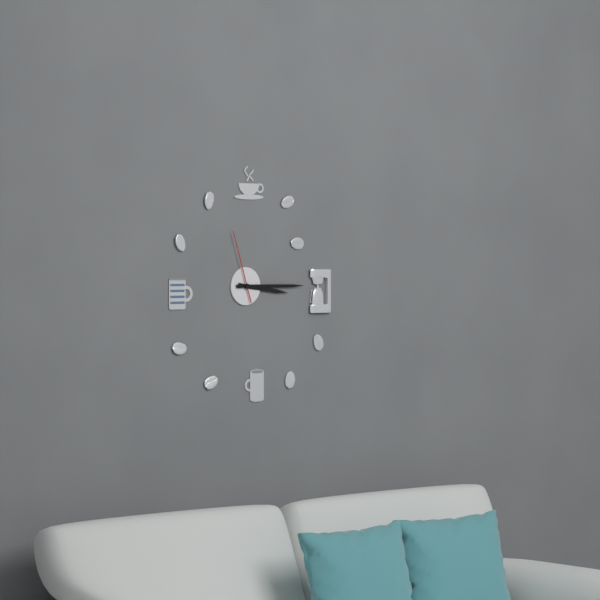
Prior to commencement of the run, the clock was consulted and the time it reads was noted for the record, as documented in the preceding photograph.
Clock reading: 3:15:57
